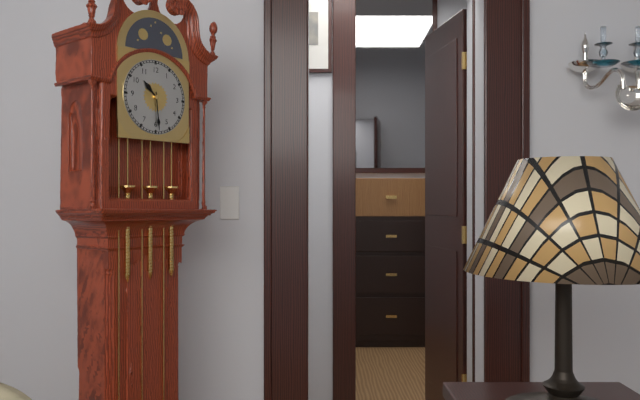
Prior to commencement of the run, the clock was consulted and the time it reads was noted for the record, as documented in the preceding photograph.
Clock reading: 10:29
